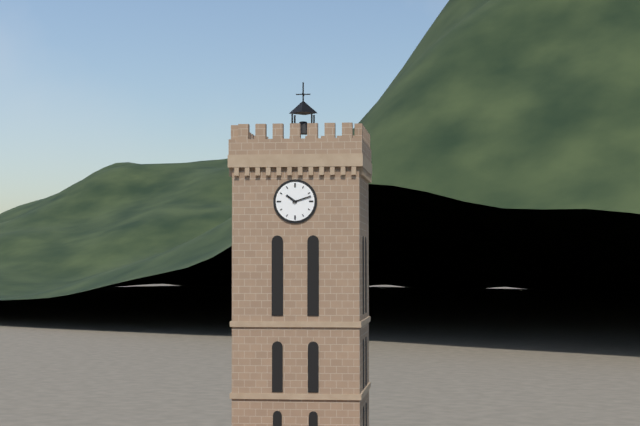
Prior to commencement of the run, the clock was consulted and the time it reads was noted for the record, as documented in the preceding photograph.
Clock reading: 10:12
